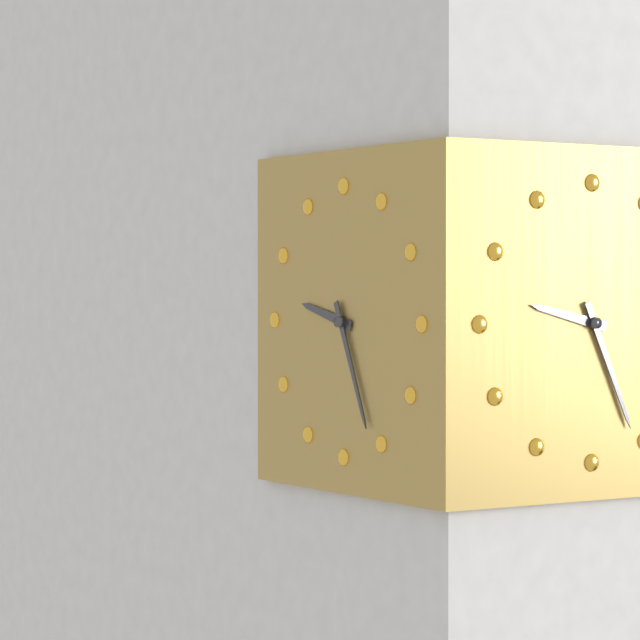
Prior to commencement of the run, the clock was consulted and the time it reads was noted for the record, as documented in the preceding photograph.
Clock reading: 9:26
